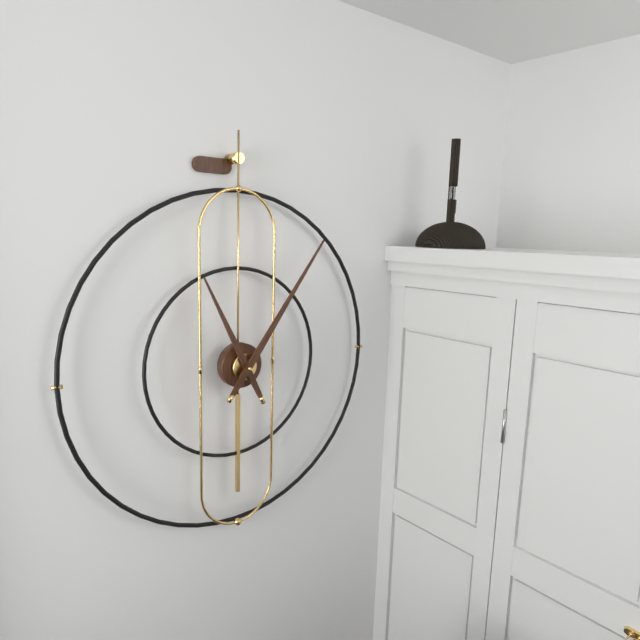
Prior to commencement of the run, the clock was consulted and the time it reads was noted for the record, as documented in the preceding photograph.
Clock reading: 11:06
